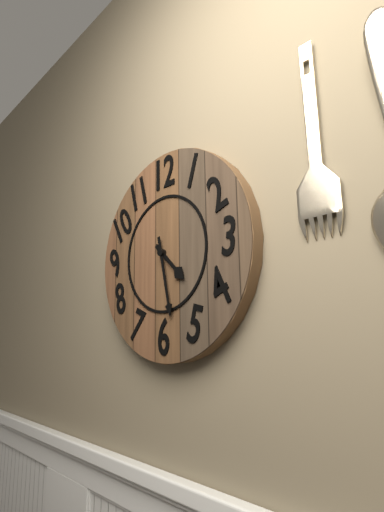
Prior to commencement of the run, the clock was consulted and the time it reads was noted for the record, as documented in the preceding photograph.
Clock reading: 4:28
